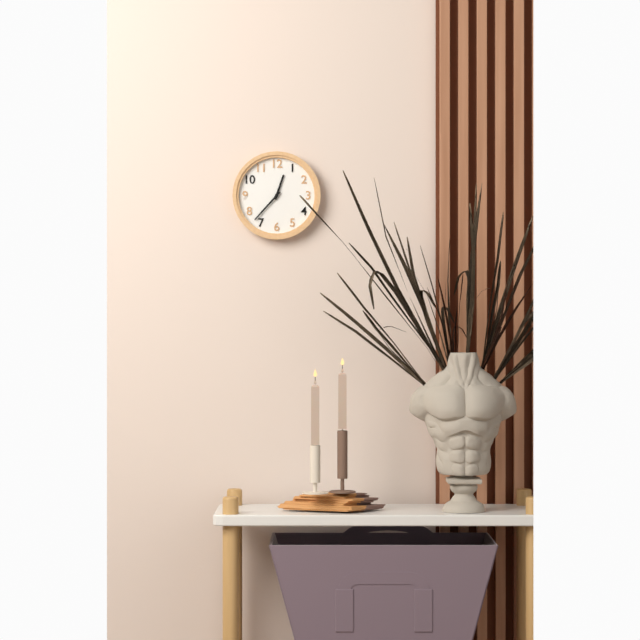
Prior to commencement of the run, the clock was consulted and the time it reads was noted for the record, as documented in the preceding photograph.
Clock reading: 12:37
